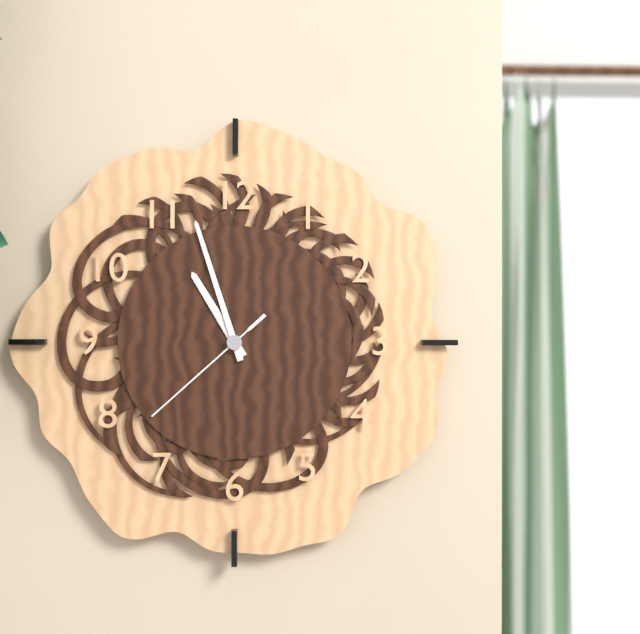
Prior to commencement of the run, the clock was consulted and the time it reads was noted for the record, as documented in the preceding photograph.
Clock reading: 10:57:38
